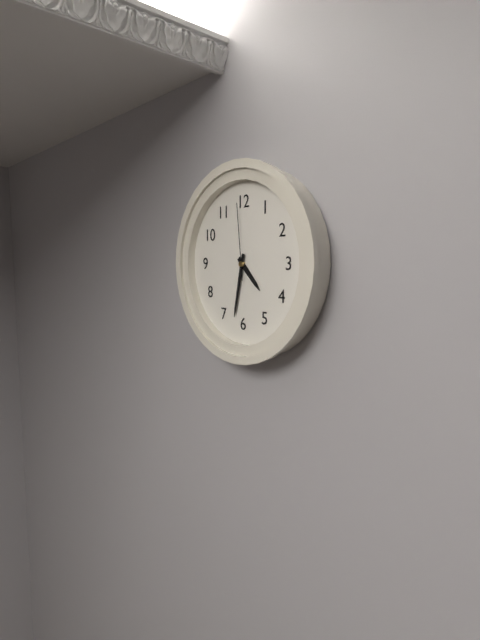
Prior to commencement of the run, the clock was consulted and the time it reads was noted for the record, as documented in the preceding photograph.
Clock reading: 4:32:59
